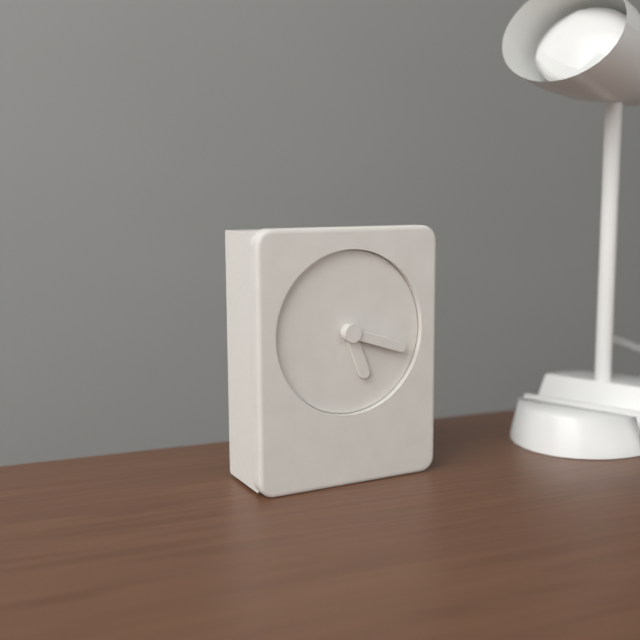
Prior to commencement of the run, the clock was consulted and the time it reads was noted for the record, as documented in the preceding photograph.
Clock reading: 5:18
